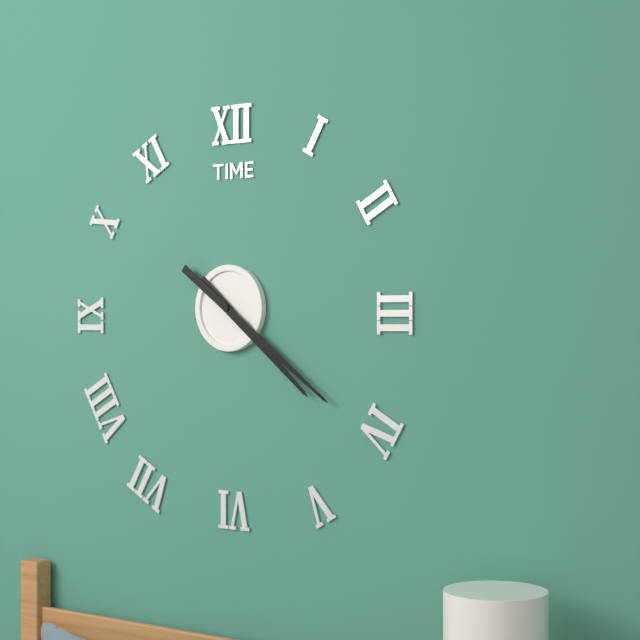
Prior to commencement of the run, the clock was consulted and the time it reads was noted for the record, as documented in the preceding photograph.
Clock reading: 4:21
